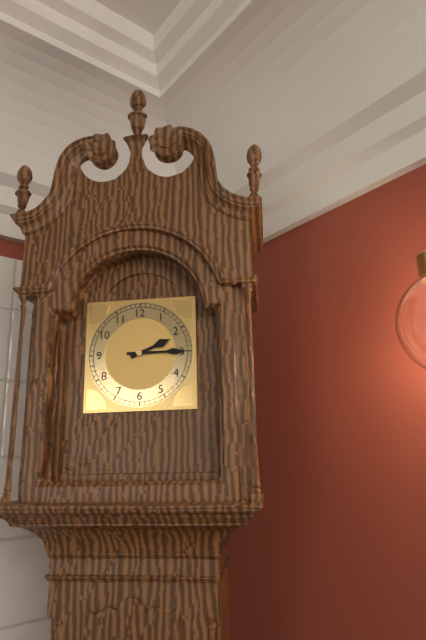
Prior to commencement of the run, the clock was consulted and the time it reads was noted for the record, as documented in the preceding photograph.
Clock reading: 2:15
